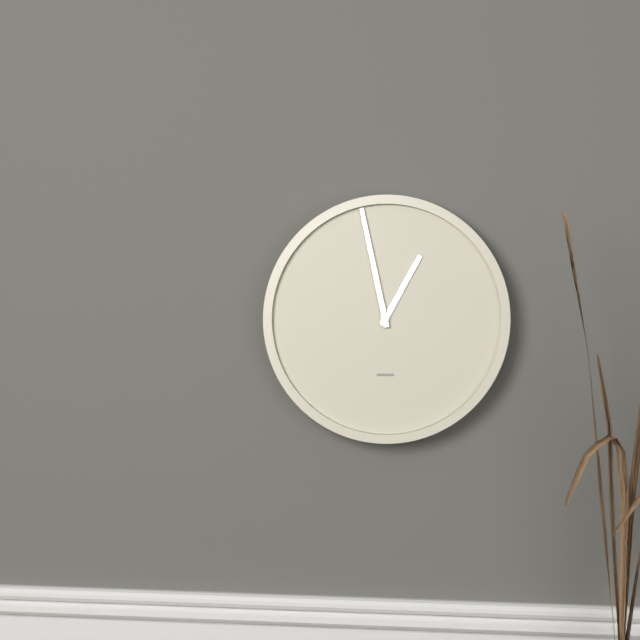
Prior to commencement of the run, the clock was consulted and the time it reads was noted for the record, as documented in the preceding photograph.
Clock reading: 12:58
